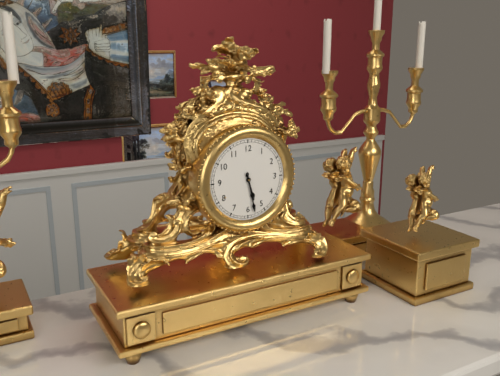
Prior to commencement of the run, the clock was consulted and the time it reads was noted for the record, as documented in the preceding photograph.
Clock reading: 5:28
